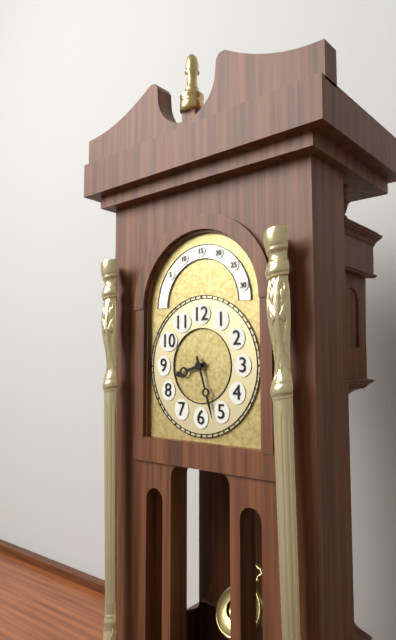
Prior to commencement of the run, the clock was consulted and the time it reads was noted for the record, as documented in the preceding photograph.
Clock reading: 8:27
